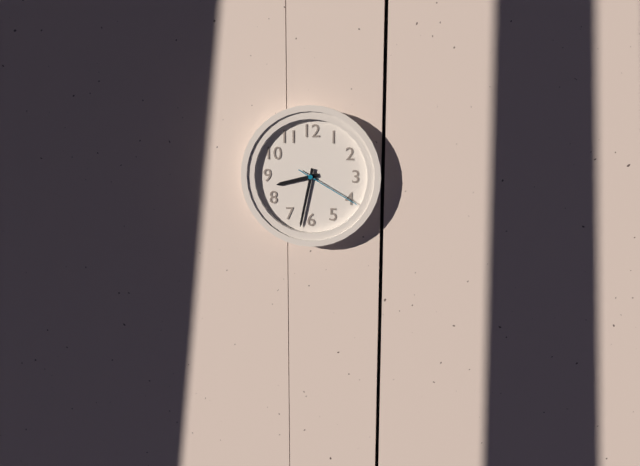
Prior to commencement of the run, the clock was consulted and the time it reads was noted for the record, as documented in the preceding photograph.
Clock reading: 8:32:20
